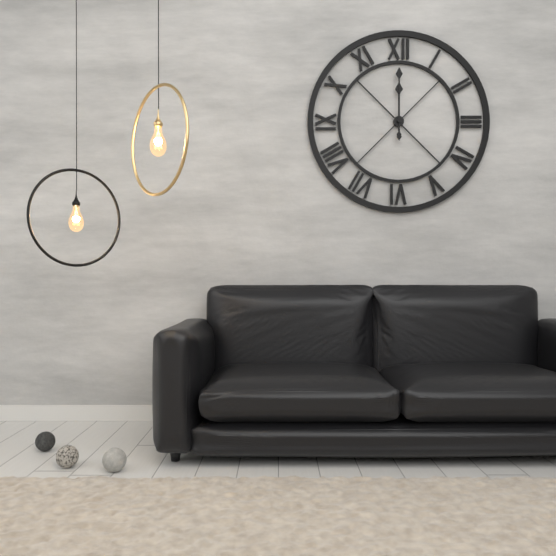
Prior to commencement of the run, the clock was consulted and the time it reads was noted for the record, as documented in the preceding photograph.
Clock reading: 12:00
